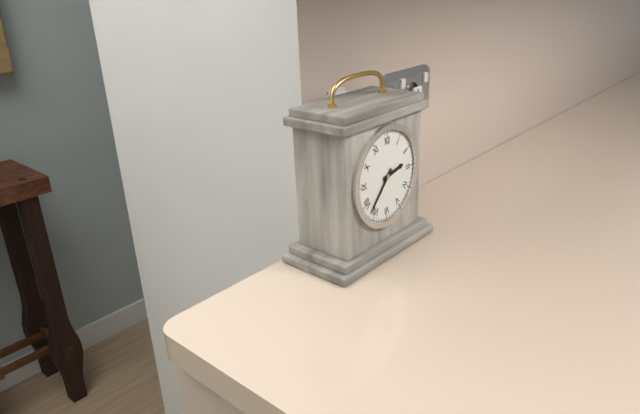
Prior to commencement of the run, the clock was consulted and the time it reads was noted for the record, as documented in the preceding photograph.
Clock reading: 2:37
